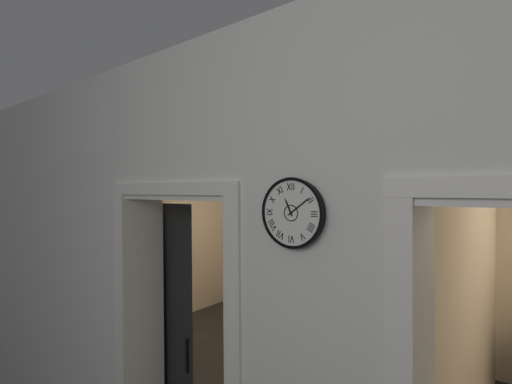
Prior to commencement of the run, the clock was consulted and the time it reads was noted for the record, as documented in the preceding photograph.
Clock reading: 11:09
